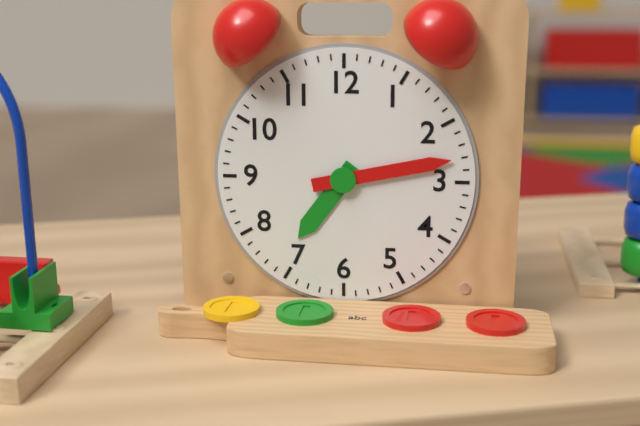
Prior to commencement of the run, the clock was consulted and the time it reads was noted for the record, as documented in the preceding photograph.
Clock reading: 7:13
